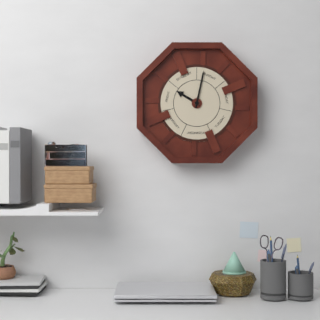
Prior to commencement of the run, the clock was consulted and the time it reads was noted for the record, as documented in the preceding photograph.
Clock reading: 10:02
